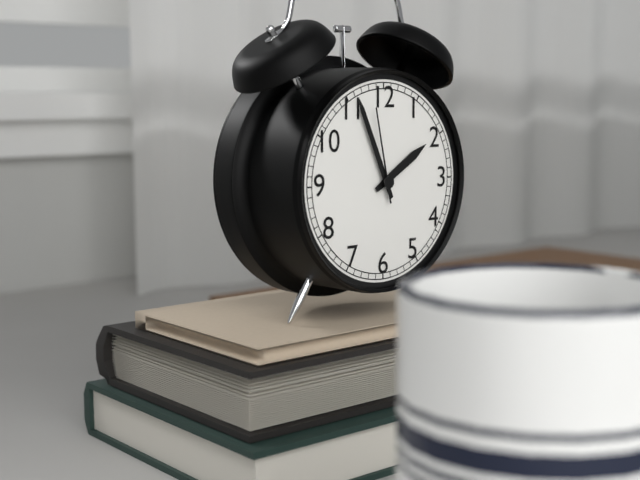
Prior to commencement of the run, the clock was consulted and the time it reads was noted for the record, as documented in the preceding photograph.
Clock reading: 1:56:58
